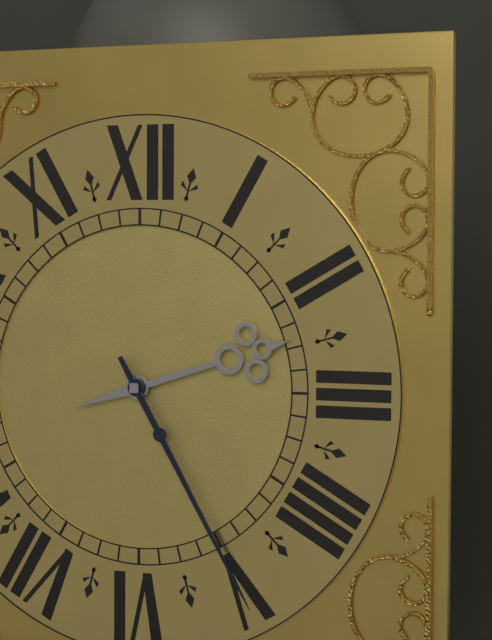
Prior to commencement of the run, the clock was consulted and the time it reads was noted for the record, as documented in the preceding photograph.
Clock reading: 2:25
